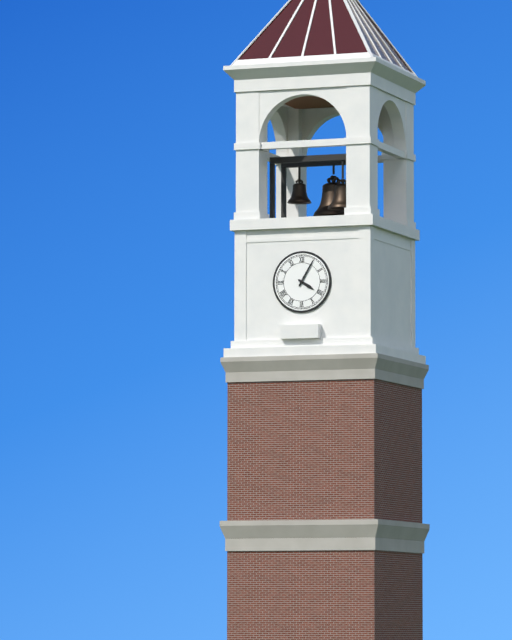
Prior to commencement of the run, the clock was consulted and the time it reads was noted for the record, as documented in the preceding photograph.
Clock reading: 4:05
